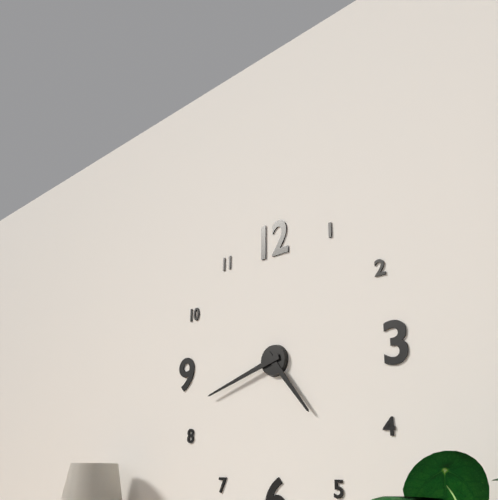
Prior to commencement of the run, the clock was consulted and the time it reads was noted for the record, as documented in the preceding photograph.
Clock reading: 4:42
